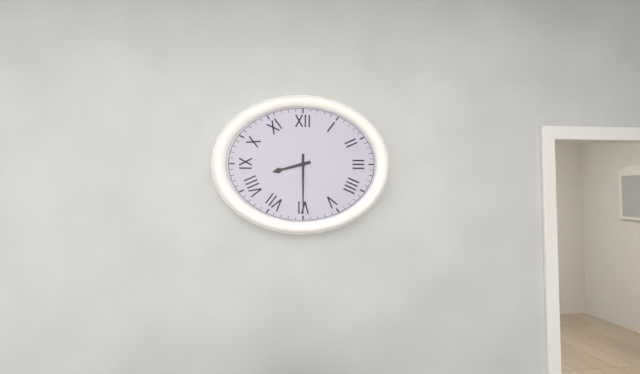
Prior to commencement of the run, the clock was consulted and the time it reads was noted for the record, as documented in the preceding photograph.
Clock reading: 8:30
